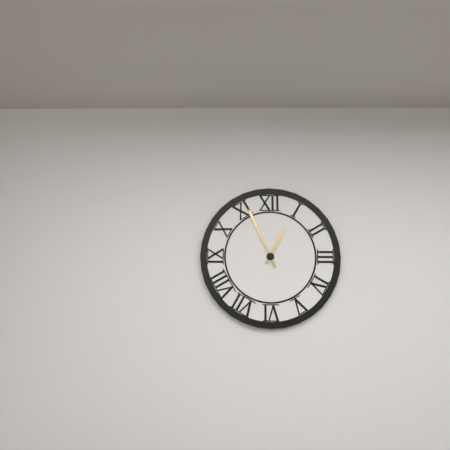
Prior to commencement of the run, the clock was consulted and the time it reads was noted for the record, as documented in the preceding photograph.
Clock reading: 12:56
